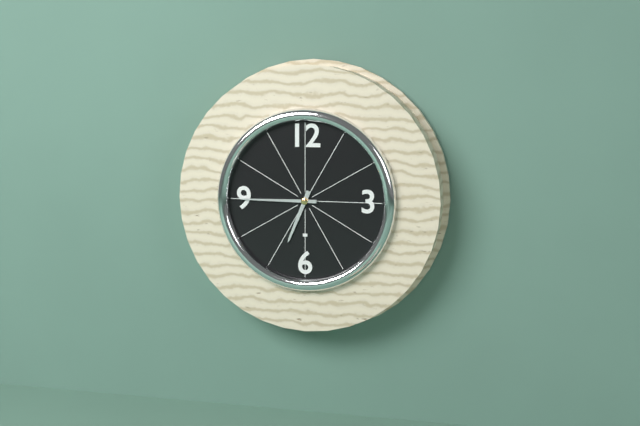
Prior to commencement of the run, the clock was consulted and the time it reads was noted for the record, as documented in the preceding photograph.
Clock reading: 6:45
